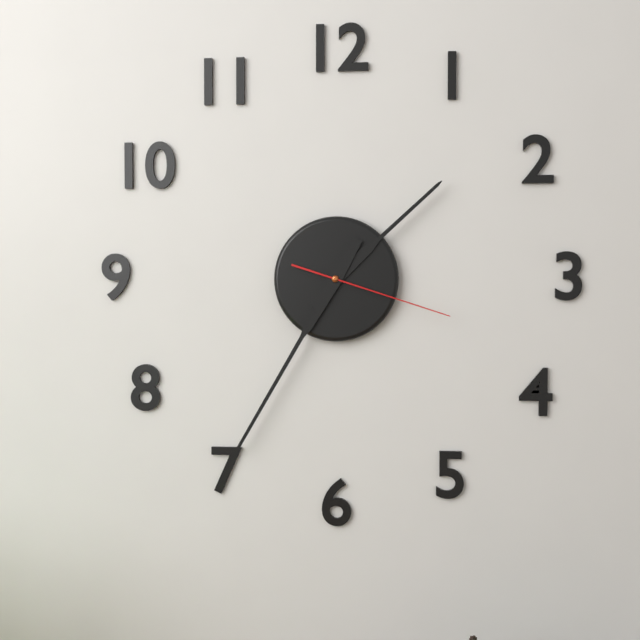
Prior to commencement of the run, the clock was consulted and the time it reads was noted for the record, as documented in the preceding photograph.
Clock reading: 1:35:18
